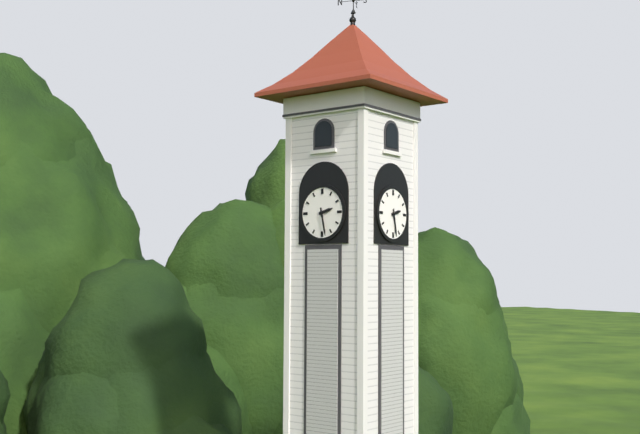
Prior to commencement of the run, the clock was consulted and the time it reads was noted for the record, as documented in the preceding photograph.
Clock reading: 2:28
